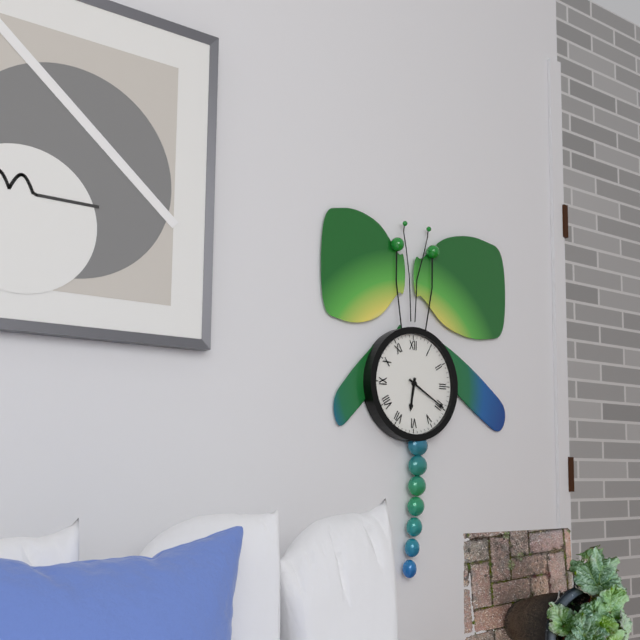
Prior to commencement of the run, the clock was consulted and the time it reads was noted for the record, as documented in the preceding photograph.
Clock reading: 6:20
